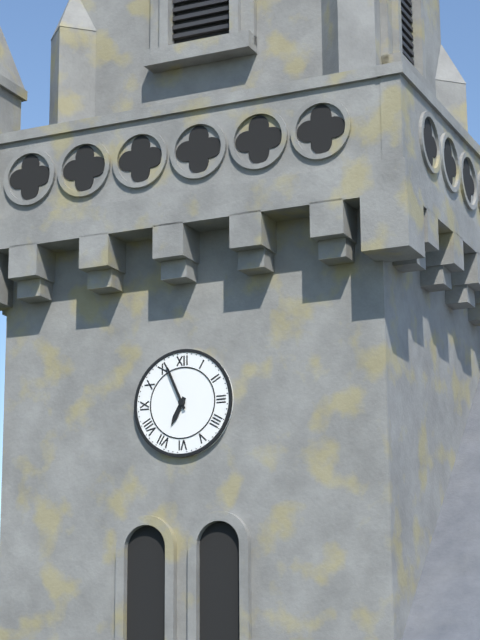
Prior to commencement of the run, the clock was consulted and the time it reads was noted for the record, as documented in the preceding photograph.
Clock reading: 6:56
